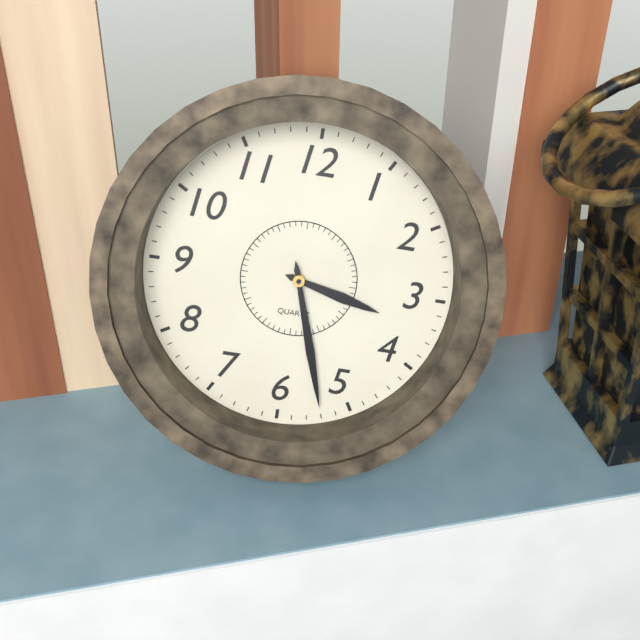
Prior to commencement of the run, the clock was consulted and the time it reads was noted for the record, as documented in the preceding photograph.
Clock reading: 3:27
